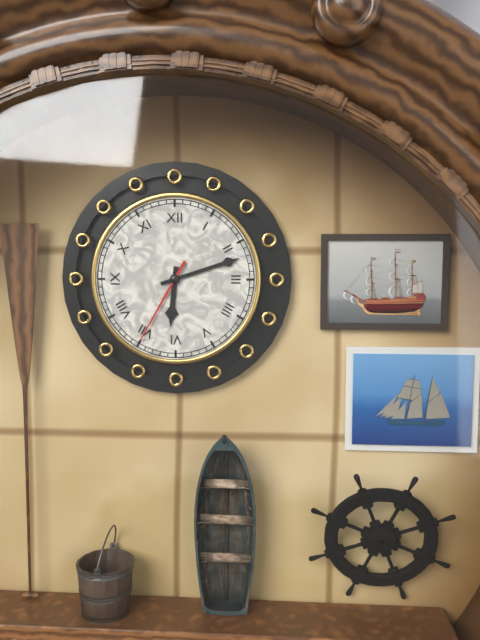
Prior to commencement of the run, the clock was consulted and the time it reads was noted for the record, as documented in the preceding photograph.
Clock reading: 6:12:35
